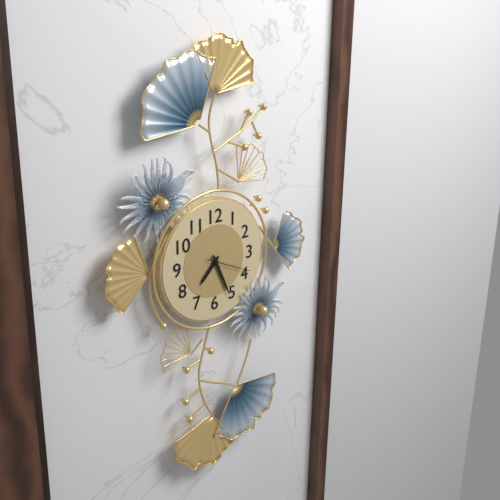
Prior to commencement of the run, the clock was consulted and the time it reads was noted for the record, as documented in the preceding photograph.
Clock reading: 7:26
